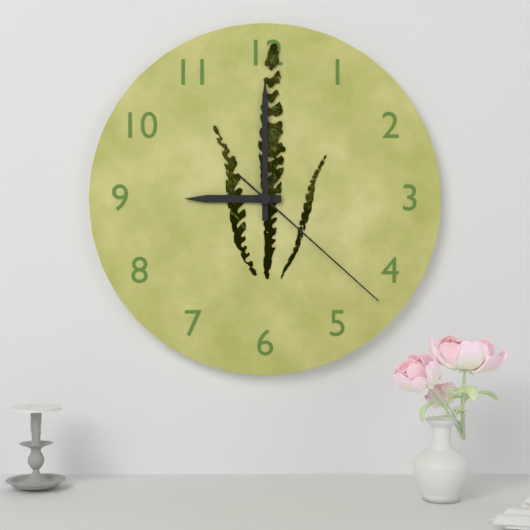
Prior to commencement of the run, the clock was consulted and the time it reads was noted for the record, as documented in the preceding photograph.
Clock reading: 9:00:22
